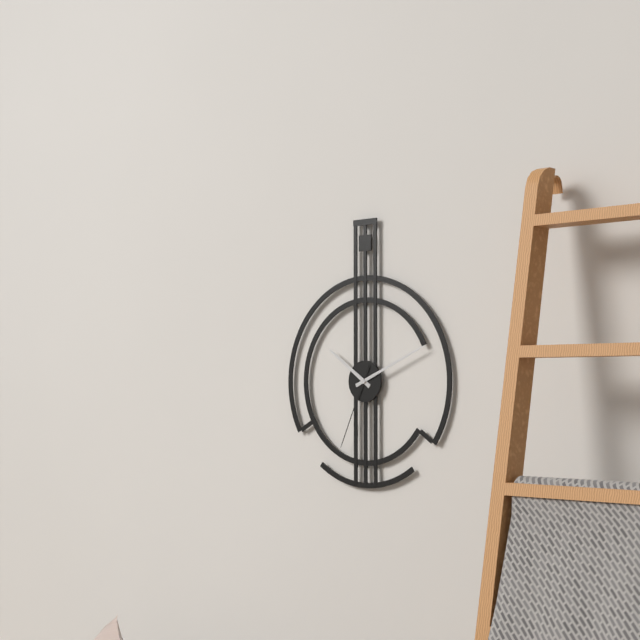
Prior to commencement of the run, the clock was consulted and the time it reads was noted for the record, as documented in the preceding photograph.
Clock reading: 10:11:34
